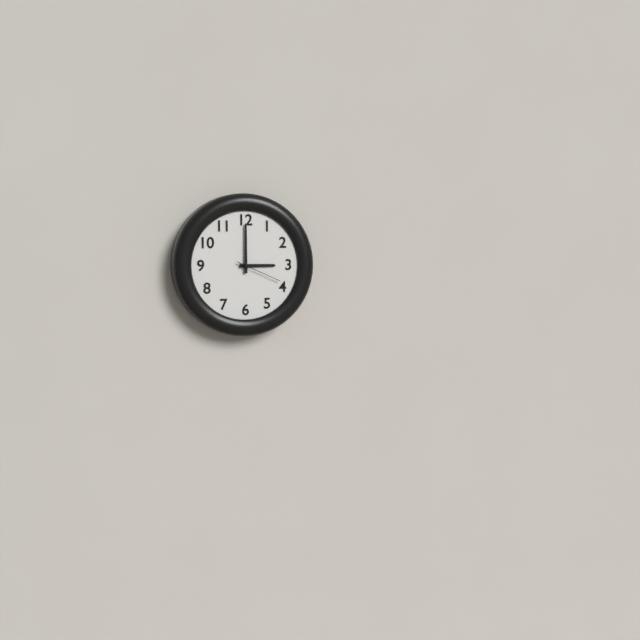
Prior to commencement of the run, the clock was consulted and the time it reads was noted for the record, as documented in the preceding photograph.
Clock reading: 3:00
